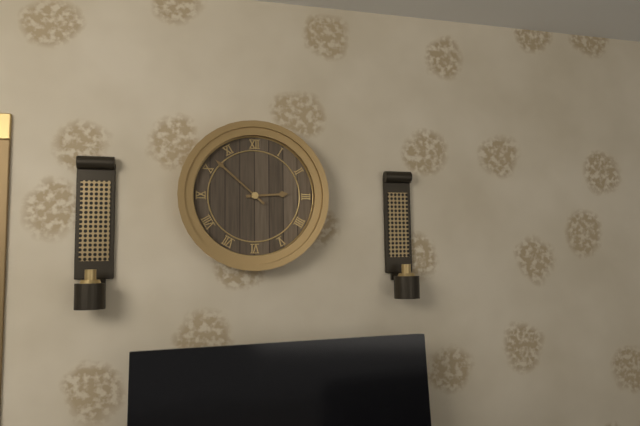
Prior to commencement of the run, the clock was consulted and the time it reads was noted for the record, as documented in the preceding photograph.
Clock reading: 2:52
